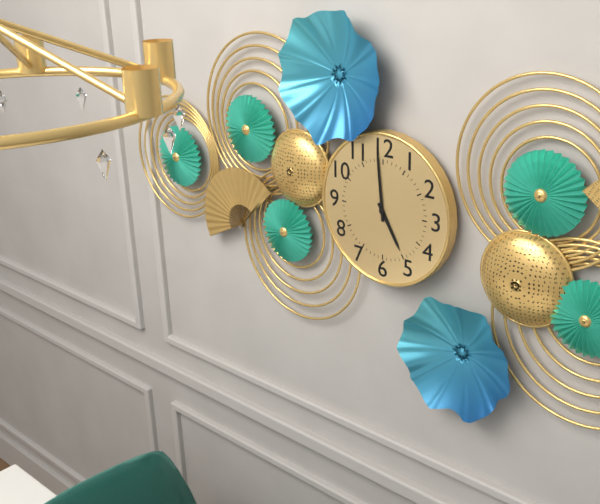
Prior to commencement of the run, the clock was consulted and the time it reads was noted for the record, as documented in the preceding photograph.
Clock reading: 4:59
